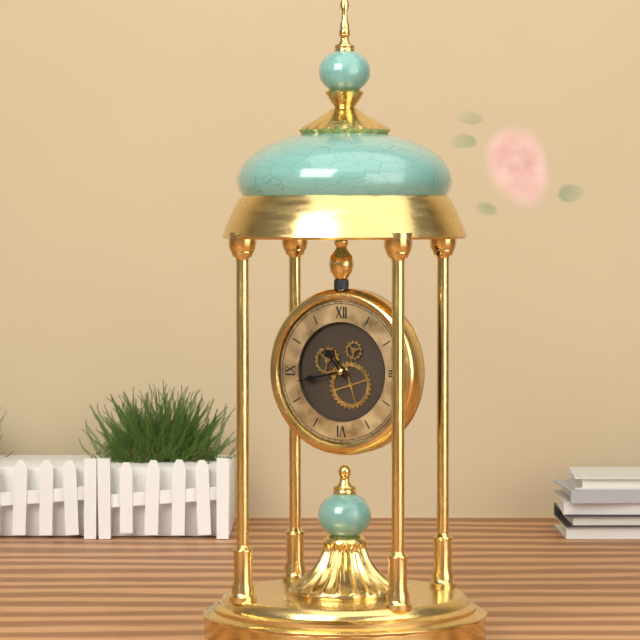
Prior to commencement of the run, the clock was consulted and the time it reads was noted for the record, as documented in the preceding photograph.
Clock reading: 10:43
